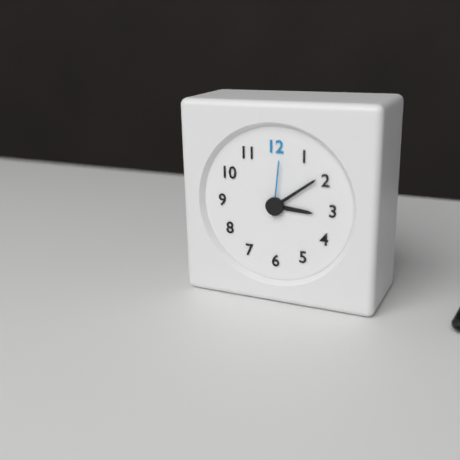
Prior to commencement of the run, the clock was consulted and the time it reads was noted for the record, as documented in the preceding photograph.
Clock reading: 3:09
